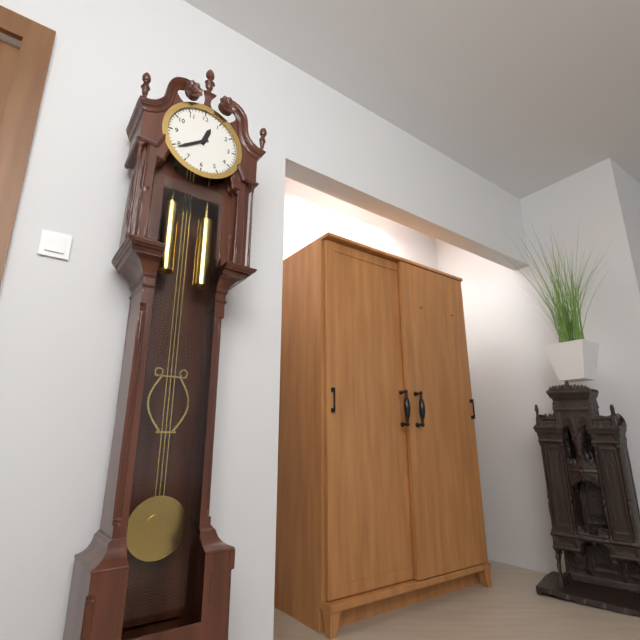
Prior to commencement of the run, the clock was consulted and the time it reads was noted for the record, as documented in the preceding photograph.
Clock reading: 12:39
